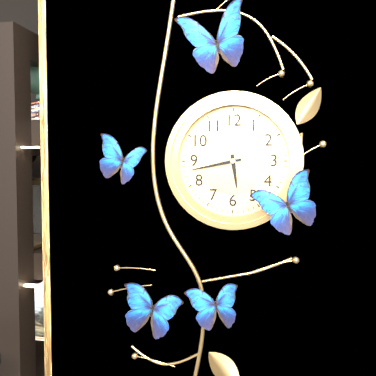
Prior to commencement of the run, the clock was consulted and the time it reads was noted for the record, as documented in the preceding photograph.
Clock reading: 5:43
